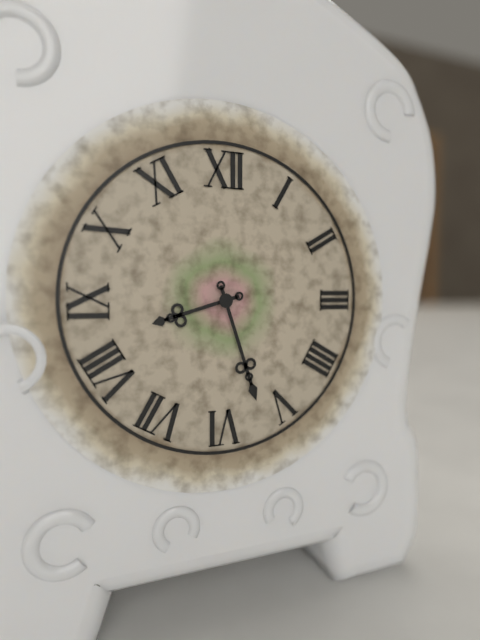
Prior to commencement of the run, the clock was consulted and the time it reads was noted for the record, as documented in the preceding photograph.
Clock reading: 8:27
